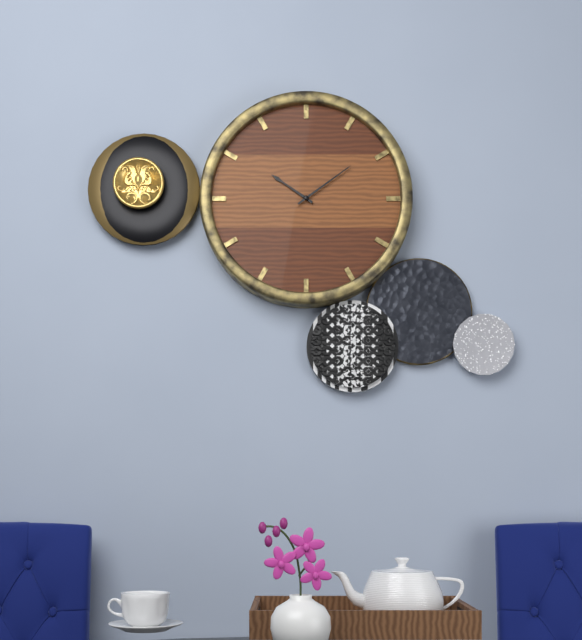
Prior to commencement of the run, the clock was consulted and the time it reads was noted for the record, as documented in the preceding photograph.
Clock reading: 10:09
